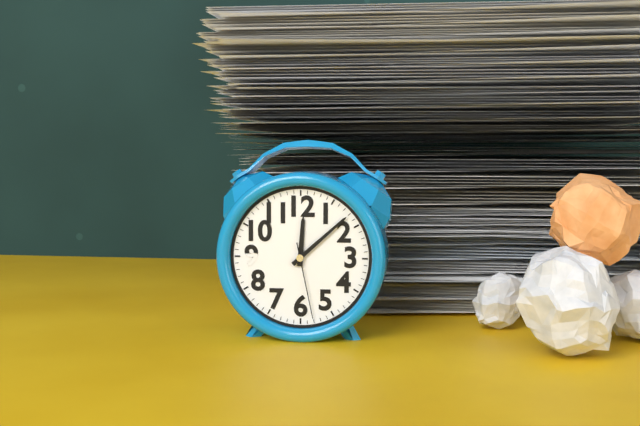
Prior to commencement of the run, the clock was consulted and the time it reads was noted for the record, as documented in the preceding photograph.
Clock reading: 12:08:28
